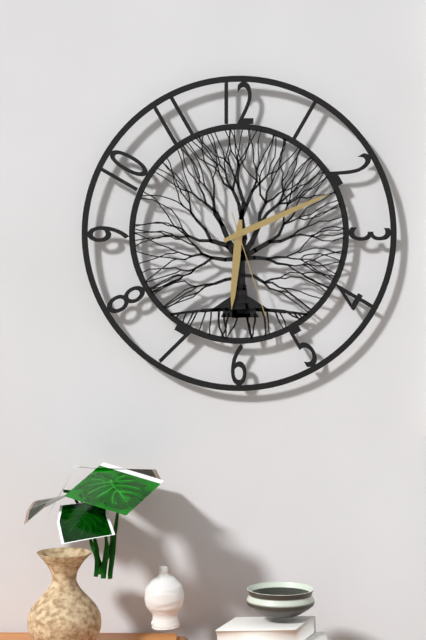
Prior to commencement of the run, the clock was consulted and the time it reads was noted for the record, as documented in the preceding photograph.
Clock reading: 6:11:27
